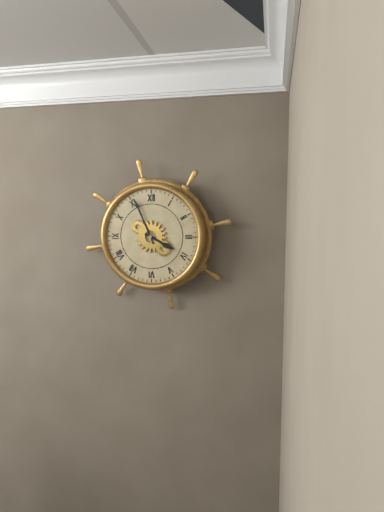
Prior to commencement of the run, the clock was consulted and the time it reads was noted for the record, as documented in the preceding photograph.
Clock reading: 3:56
